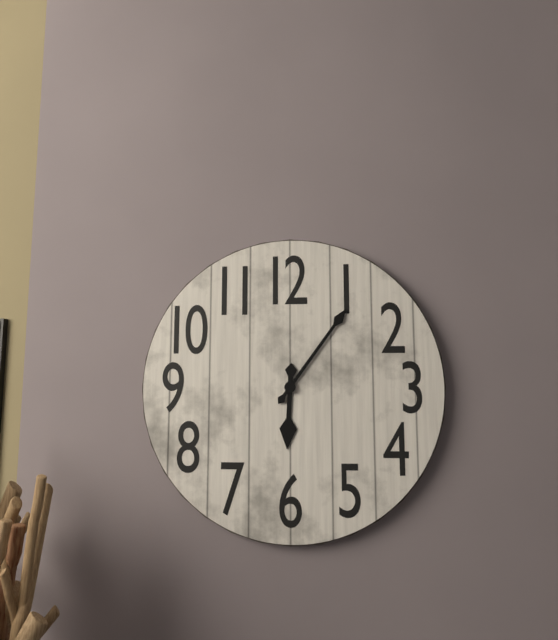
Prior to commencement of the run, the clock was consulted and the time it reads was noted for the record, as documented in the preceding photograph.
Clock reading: 6:06
